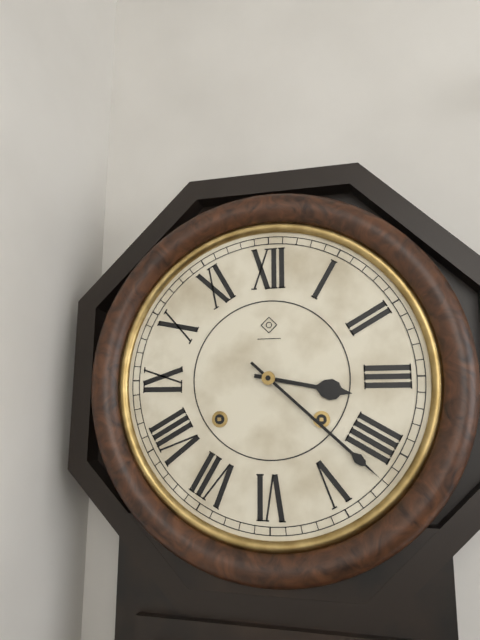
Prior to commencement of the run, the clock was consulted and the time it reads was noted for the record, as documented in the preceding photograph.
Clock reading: 3:22
